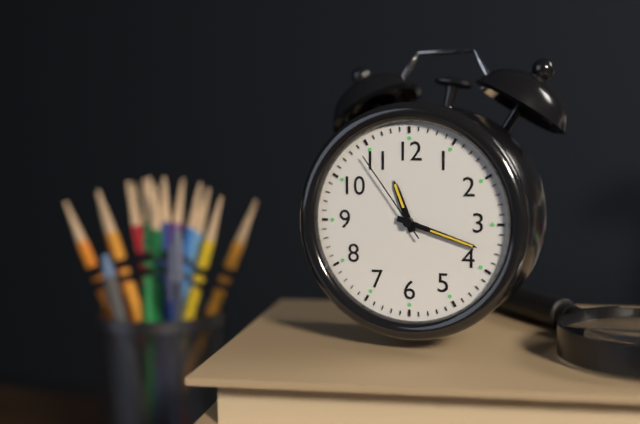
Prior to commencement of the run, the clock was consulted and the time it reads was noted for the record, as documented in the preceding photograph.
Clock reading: 11:18:54
